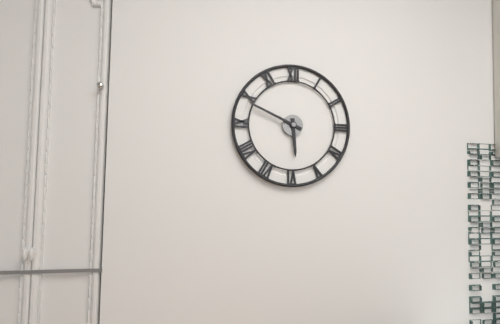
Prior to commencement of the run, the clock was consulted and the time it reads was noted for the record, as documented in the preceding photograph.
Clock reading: 5:49
